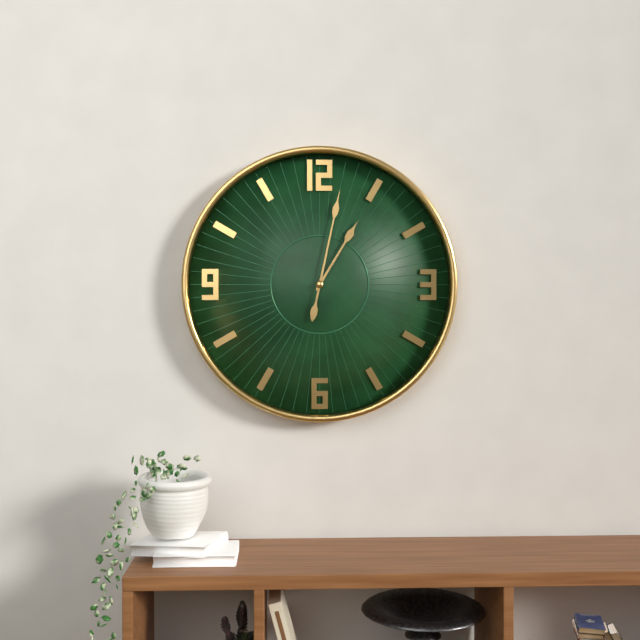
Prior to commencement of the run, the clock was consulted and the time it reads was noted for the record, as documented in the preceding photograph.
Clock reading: 1:02
